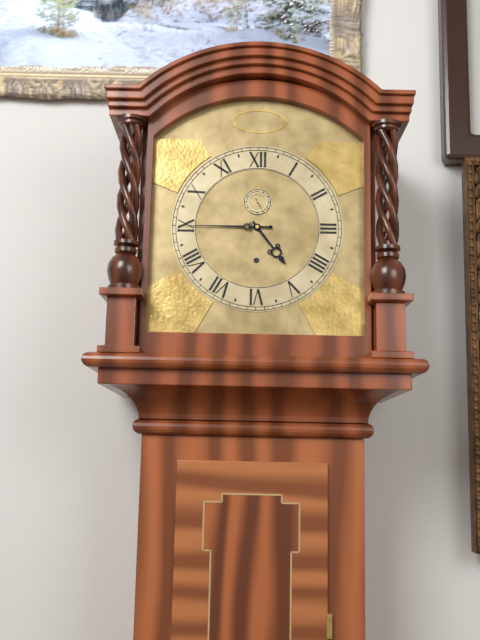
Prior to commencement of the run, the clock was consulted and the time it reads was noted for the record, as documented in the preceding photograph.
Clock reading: 4:45
